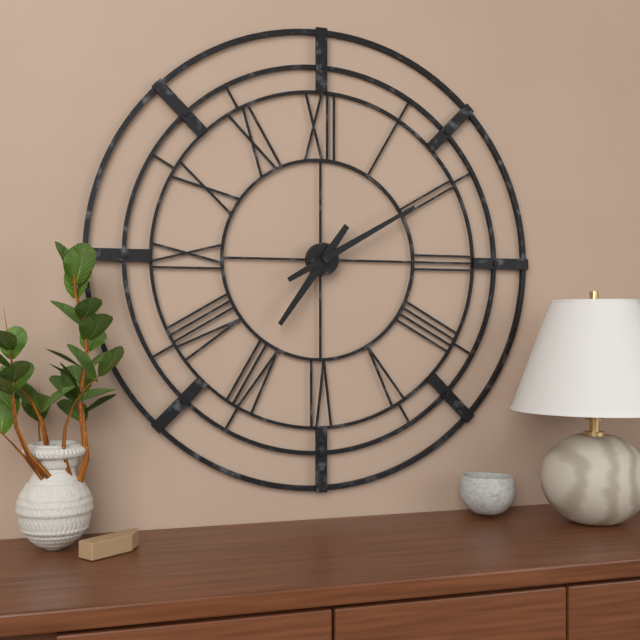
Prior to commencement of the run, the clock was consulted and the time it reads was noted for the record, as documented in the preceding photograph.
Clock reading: 7:10
